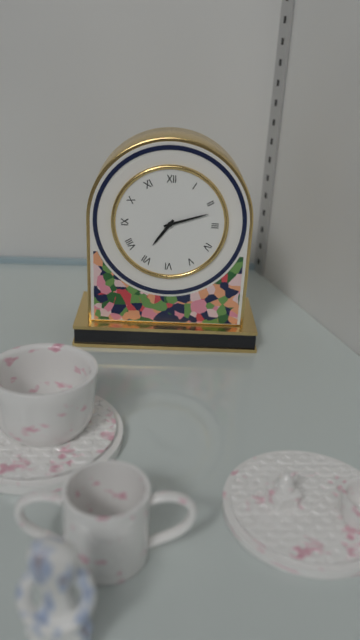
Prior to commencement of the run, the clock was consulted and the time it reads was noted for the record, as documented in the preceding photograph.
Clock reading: 7:12
